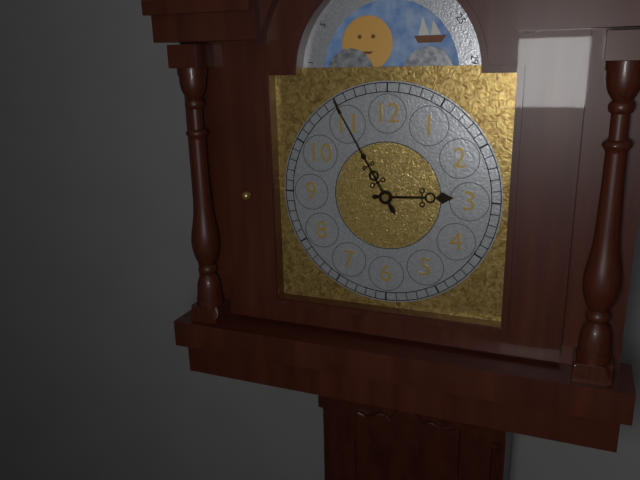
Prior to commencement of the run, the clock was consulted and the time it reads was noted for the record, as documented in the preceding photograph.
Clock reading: 2:55
